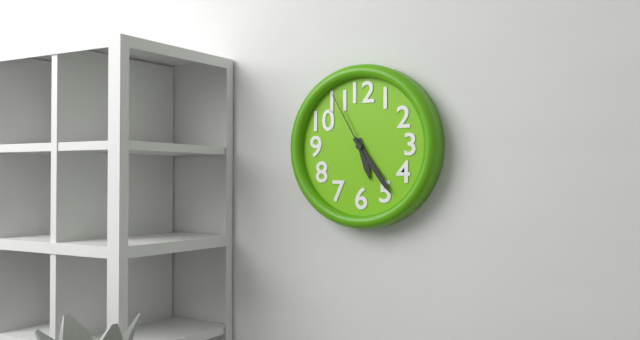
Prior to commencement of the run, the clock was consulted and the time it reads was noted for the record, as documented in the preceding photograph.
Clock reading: 5:24:55
